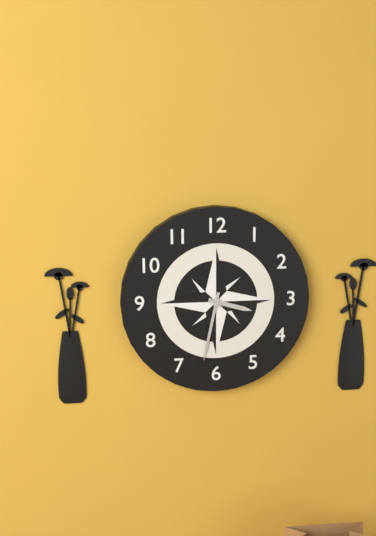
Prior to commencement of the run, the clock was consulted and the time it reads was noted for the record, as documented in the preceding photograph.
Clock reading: 3:32
